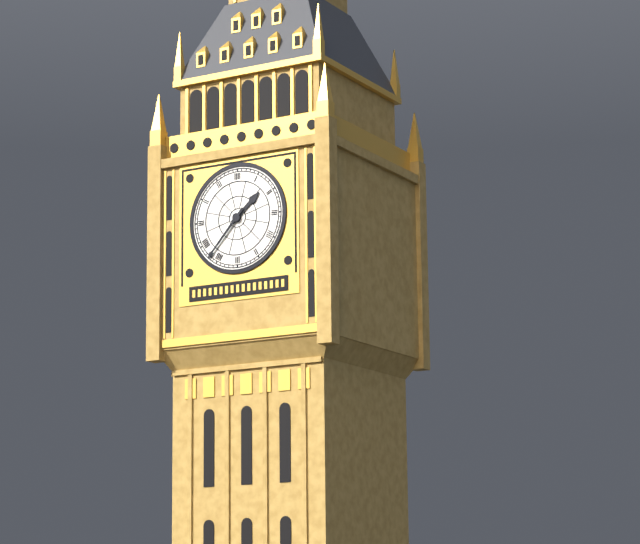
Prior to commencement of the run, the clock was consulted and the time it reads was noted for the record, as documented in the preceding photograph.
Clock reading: 1:37
